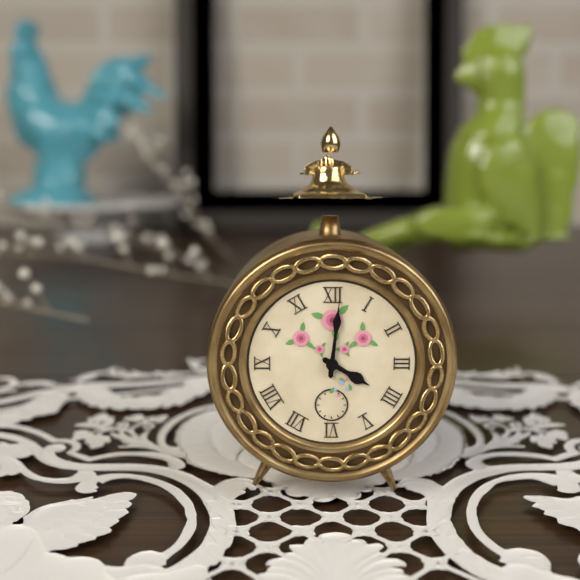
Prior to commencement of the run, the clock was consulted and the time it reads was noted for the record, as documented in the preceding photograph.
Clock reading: 4:01
